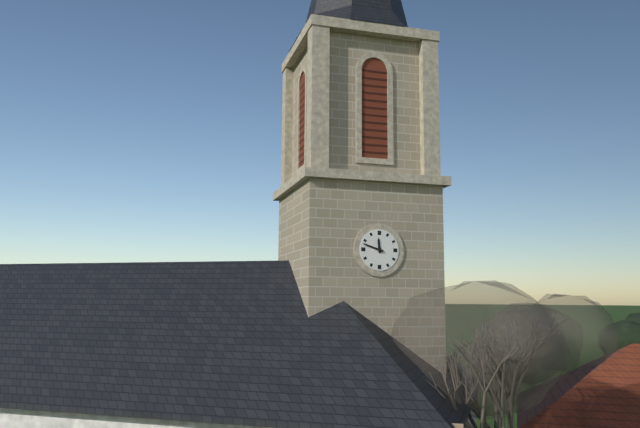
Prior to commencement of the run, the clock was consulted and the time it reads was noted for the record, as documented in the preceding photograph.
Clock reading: 11:48
